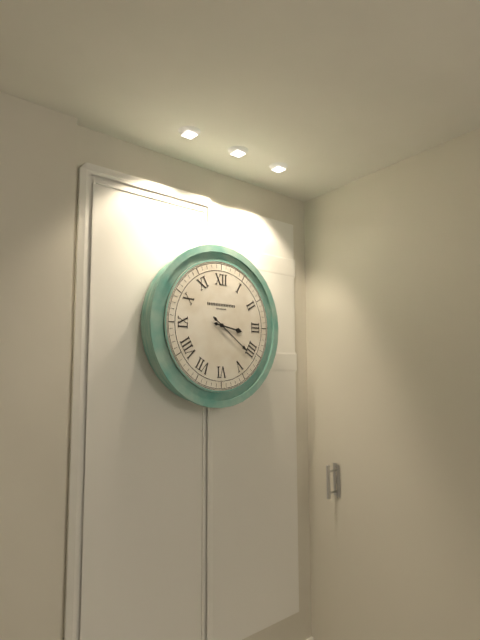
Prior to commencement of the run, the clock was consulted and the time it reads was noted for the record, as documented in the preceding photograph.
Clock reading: 3:21
